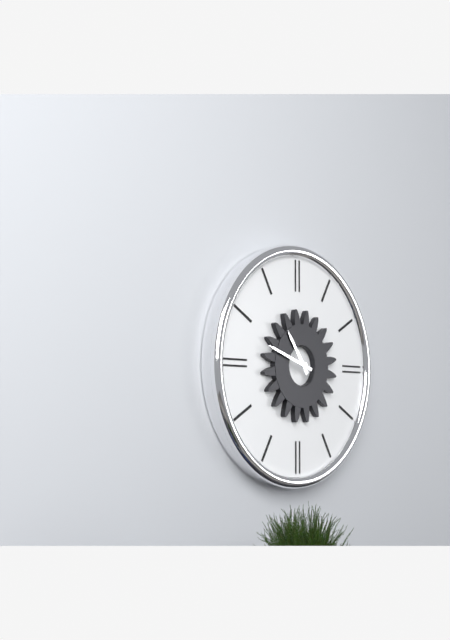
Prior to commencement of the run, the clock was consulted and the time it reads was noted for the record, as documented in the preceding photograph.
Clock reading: 10:48
